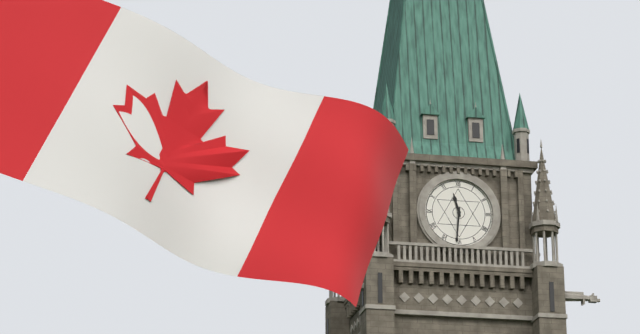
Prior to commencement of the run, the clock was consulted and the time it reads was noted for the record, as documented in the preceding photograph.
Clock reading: 11:31
